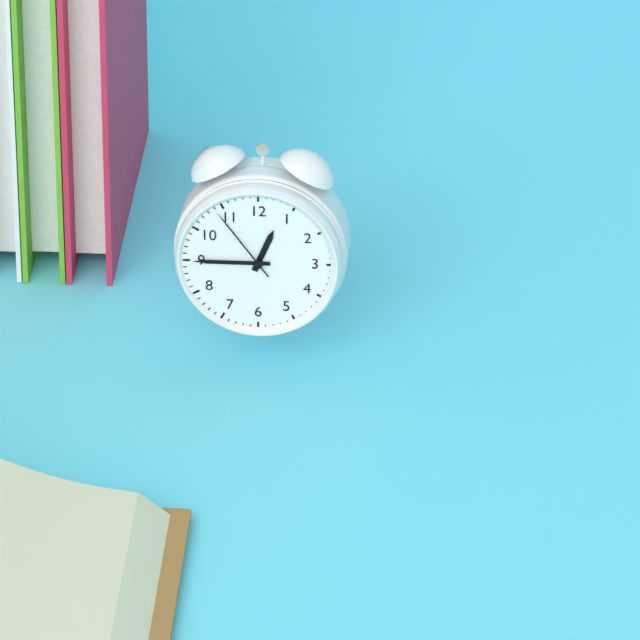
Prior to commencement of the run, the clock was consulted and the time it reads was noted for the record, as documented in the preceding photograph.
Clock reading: 12:45:54
